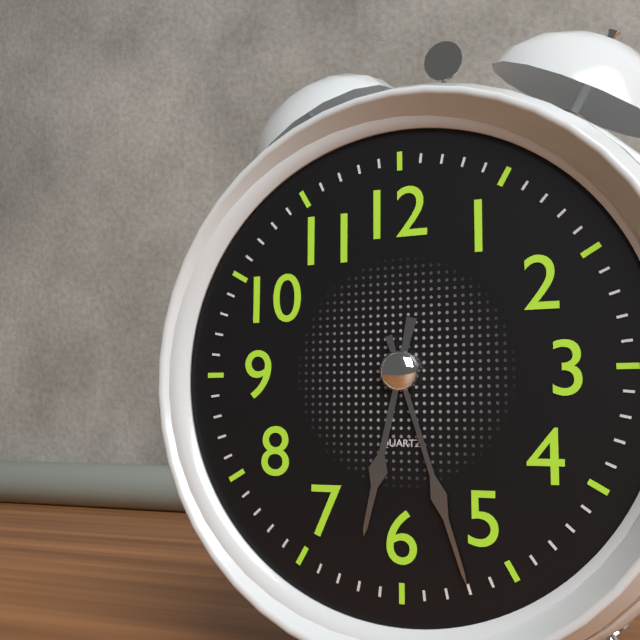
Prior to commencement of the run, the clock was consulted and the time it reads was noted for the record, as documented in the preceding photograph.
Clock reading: 6:27
